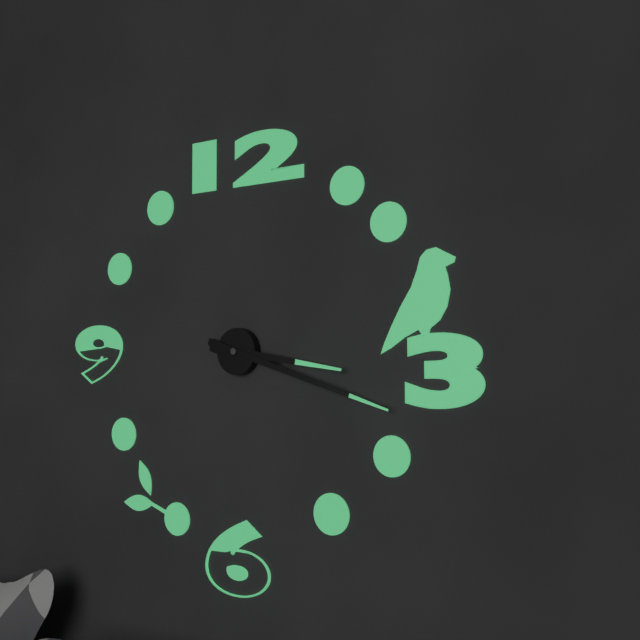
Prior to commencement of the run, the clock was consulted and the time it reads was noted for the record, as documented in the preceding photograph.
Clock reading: 3:18
